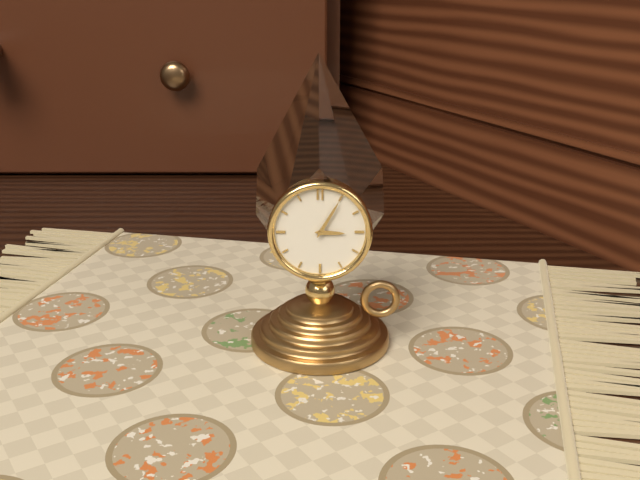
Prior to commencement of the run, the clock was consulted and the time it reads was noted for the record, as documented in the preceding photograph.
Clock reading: 3:05
